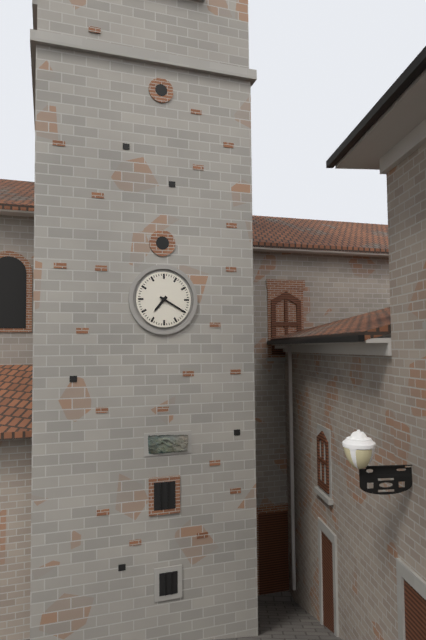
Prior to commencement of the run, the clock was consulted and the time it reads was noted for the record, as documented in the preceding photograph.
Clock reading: 7:20
